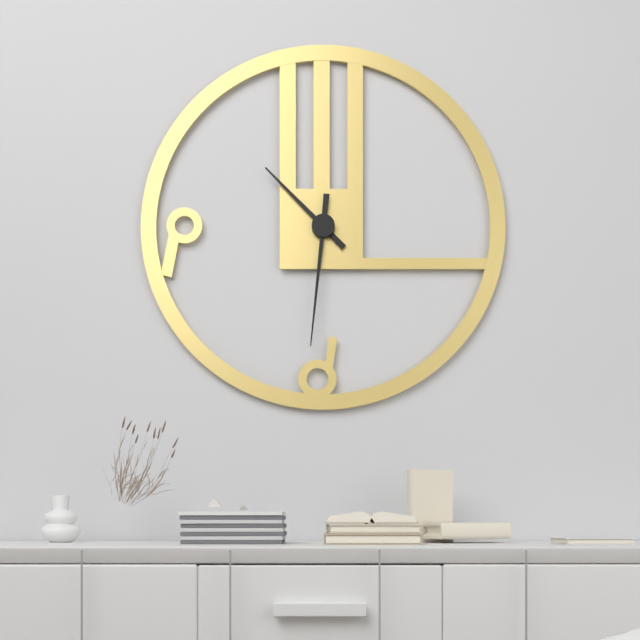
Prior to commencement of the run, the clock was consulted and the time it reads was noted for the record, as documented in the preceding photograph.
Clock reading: 10:31
